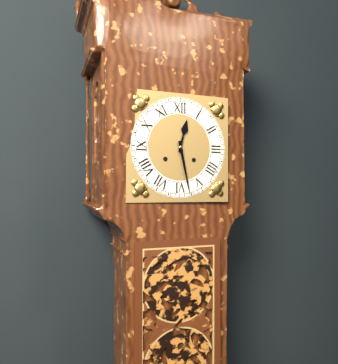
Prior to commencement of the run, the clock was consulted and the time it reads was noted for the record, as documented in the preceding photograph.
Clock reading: 12:28
